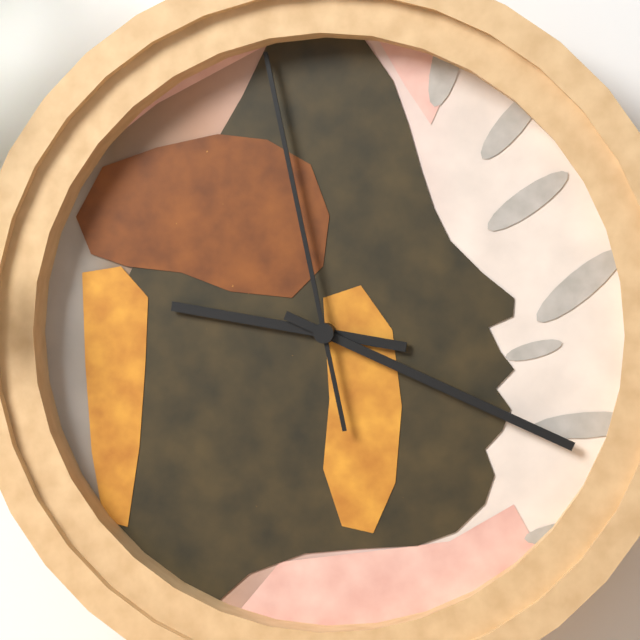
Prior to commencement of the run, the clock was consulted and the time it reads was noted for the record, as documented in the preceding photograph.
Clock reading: 9:19:58
